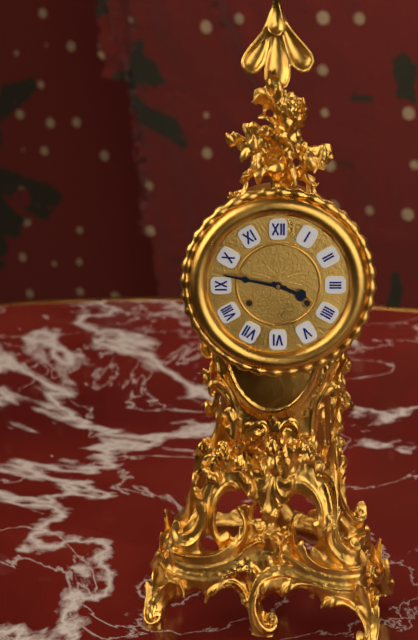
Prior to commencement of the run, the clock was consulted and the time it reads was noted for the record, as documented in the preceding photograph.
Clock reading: 3:47
